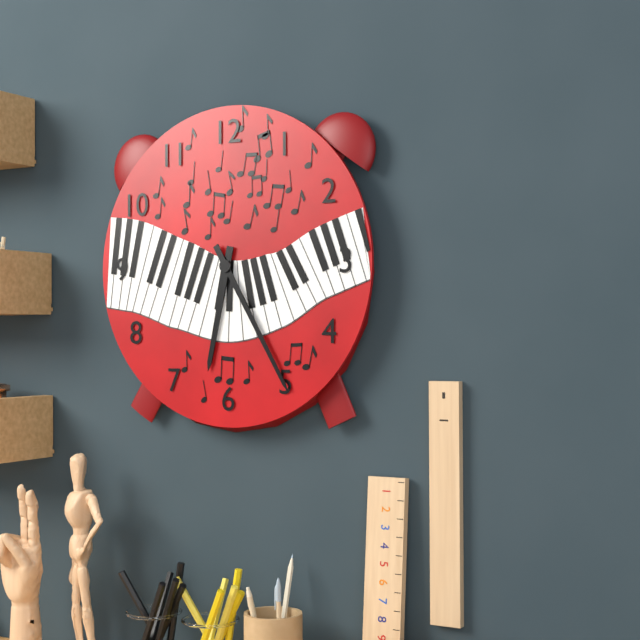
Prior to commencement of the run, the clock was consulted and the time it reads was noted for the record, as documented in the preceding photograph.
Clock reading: 6:25
